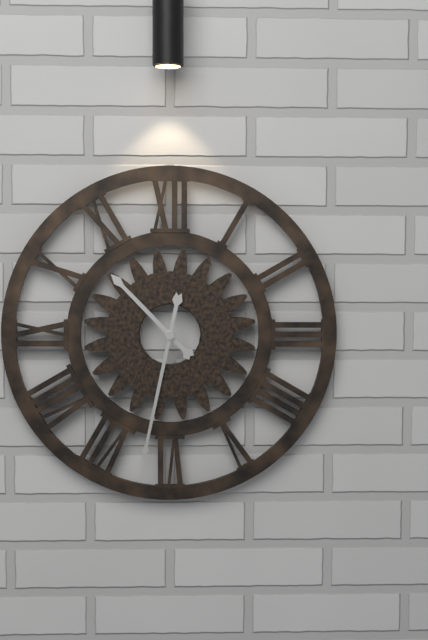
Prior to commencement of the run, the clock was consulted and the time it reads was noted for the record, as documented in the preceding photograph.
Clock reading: 10:32
